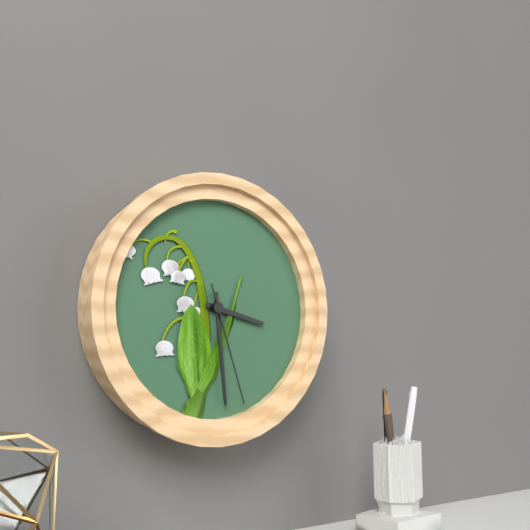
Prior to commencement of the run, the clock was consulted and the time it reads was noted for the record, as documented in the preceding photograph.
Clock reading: 3:29:27
